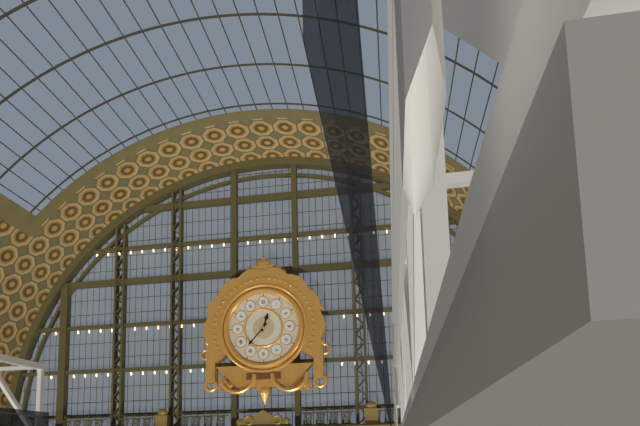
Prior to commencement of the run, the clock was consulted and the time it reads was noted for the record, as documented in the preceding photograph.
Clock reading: 12:37
